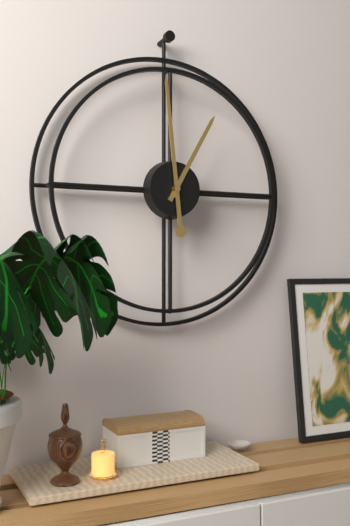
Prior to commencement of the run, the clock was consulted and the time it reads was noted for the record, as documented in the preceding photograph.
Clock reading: 12:59
